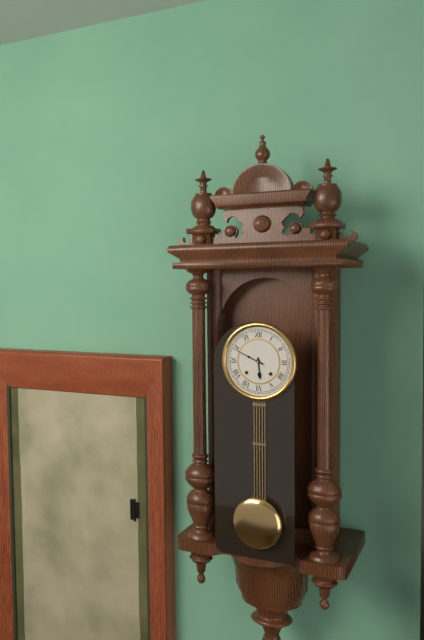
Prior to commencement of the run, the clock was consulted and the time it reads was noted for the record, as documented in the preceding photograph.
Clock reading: 5:49
